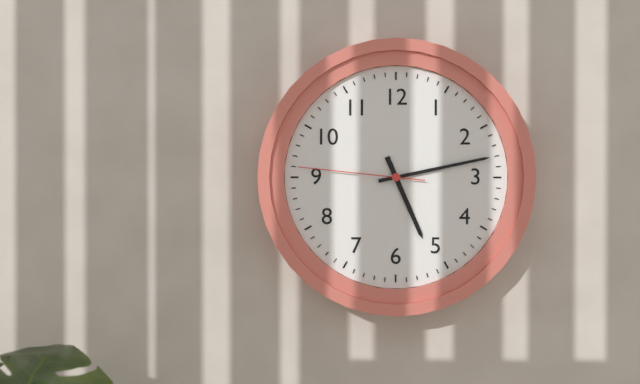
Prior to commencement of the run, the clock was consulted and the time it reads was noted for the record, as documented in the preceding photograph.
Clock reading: 5:13:46
